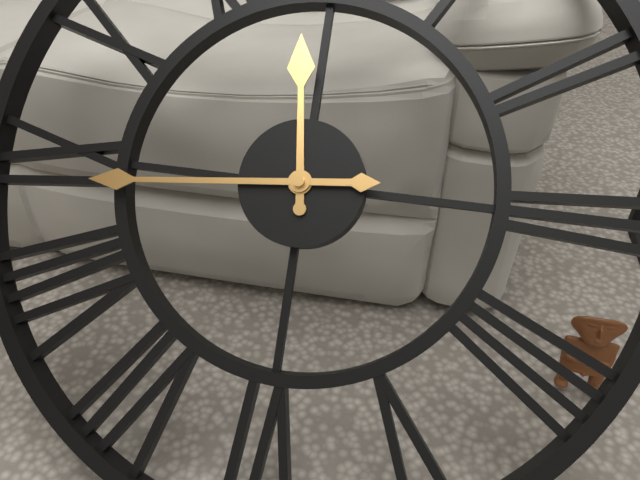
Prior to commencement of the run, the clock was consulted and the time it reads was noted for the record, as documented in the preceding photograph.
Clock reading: 11:44
